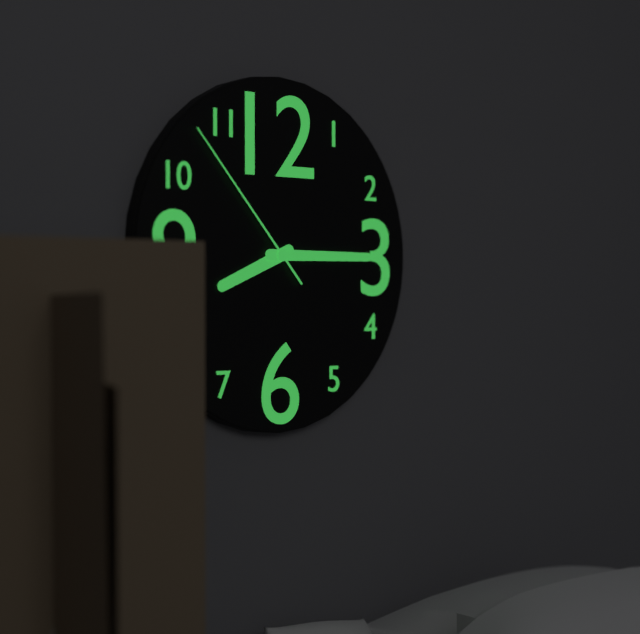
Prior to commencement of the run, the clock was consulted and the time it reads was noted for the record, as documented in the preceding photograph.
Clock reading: 8:15:53
